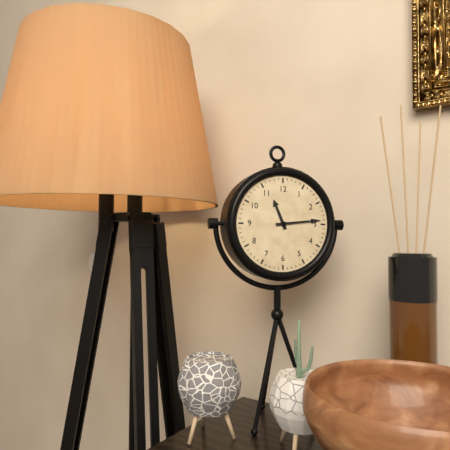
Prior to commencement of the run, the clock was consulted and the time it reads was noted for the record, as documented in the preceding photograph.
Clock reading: 11:14
